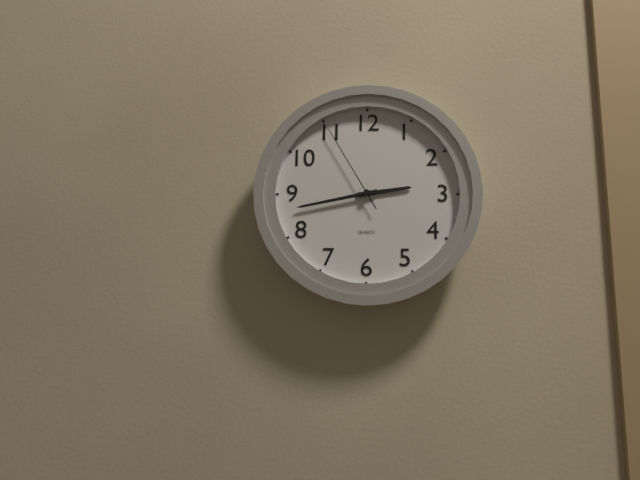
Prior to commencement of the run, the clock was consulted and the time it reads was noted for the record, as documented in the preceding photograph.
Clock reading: 2:43:55
